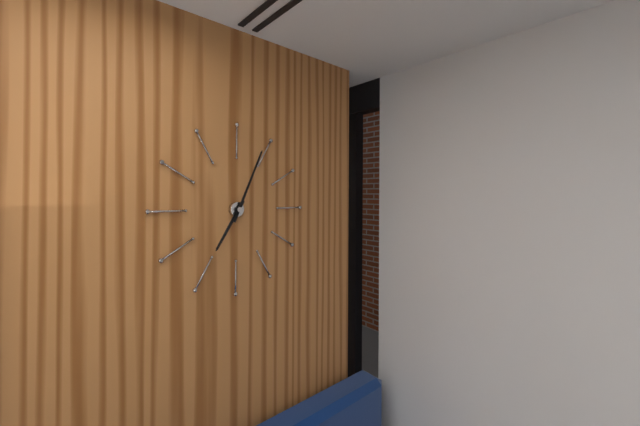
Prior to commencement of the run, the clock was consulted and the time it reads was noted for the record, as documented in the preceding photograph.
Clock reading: 7:04
